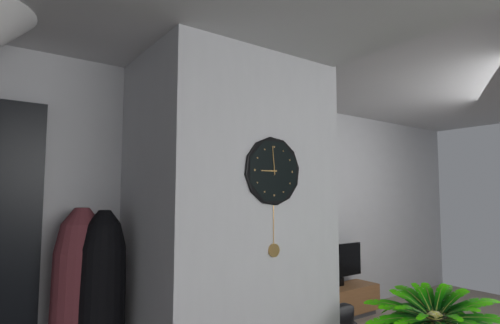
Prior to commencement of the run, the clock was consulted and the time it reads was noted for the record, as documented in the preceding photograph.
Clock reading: 8:59
